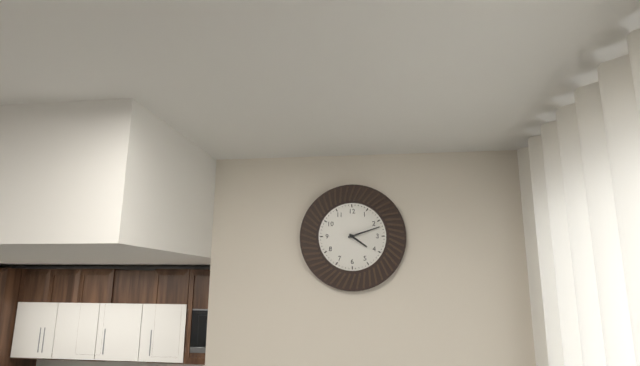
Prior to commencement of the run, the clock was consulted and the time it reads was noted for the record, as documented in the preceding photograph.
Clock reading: 4:12
